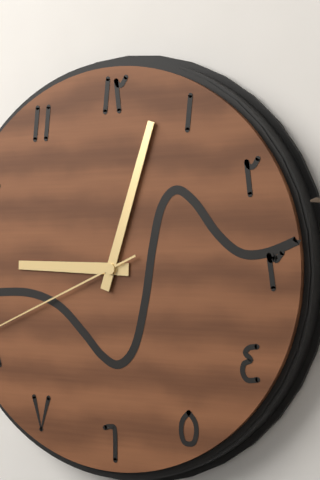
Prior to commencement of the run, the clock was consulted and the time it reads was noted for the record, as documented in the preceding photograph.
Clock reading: 9:03
